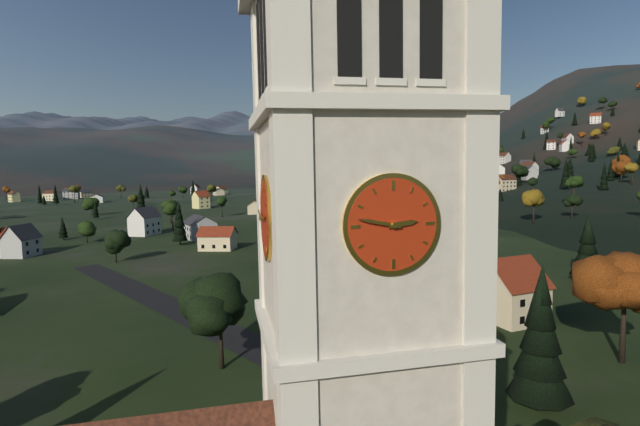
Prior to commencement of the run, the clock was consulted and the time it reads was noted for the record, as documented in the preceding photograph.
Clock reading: 2:47
